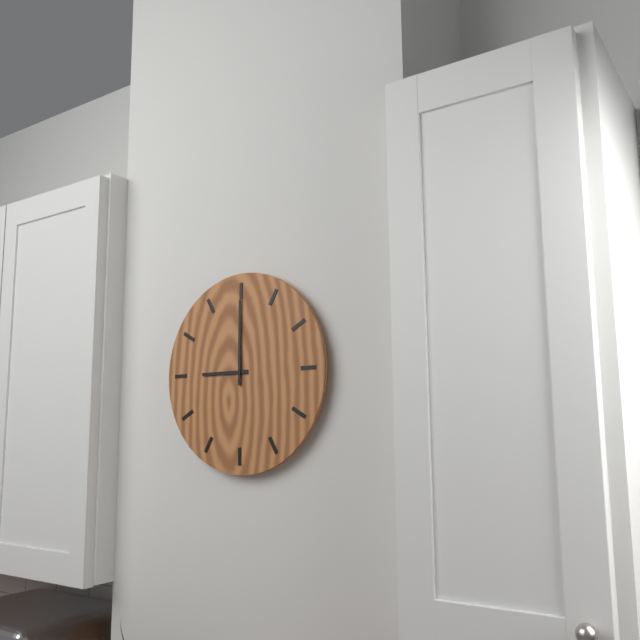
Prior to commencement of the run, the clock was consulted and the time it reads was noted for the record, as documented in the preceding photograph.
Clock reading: 9:00
